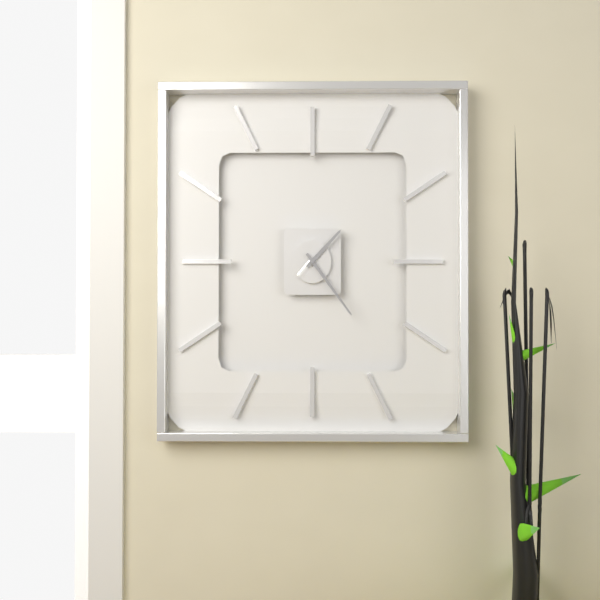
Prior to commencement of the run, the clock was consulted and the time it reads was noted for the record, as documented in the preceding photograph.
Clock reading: 1:24
